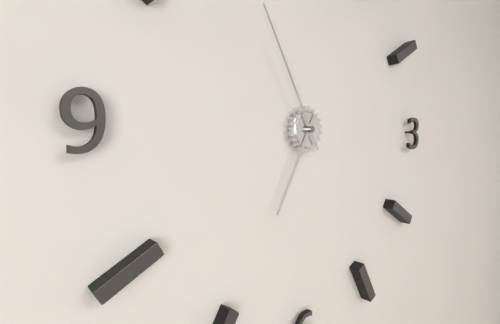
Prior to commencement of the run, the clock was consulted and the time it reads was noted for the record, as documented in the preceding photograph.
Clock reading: 6:55
